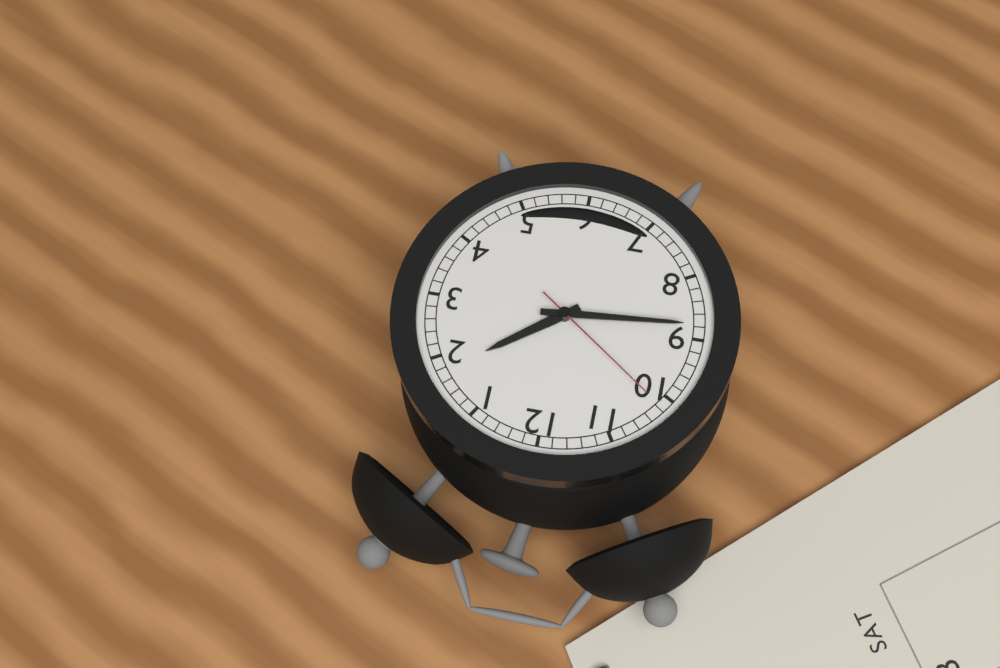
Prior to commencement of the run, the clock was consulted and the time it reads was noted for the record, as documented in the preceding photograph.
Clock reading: 1:44:51
